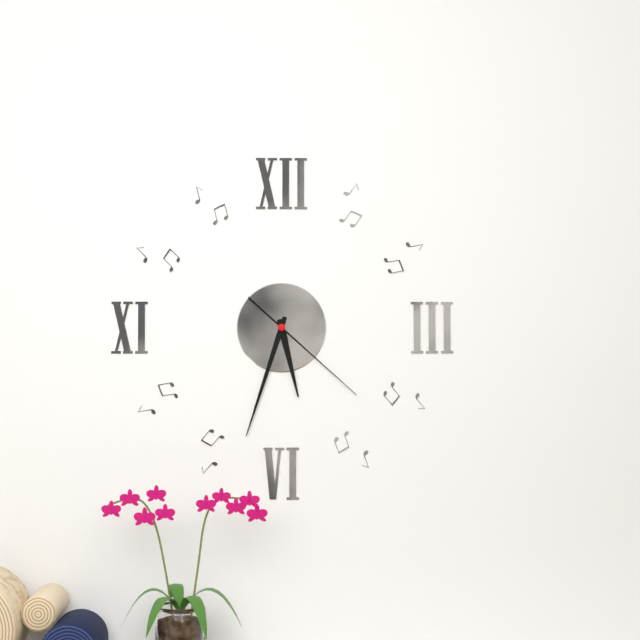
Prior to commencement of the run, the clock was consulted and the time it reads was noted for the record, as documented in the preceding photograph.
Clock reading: 5:33:22
